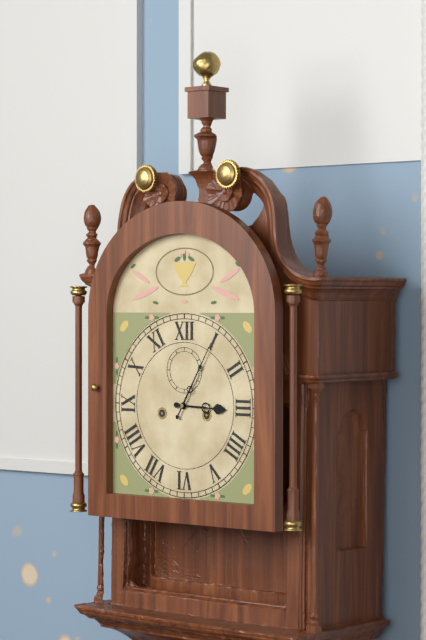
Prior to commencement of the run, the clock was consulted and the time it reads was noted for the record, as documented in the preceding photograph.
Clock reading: 3:05
